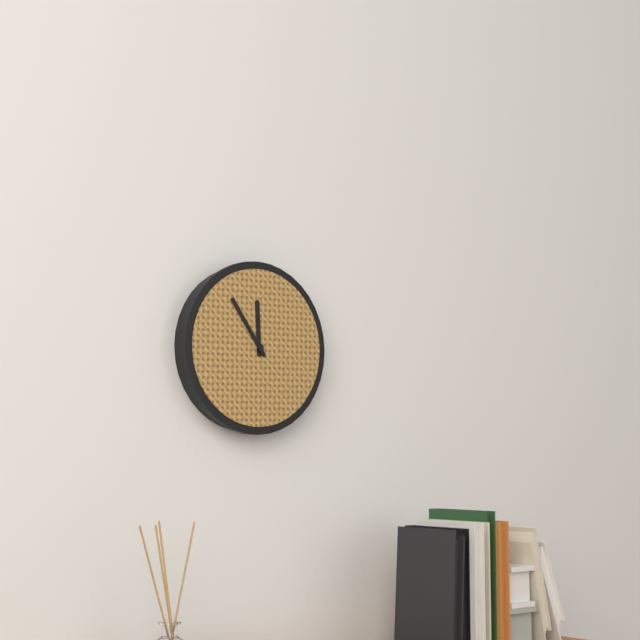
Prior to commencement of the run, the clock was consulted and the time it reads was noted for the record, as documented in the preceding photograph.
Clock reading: 11:54
